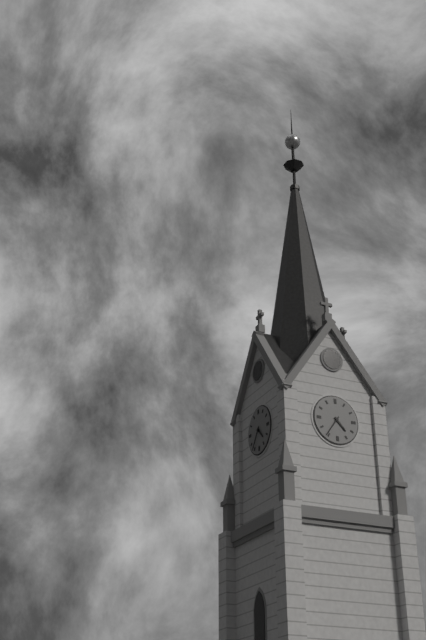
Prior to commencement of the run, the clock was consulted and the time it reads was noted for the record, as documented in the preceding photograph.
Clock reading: 4:36
